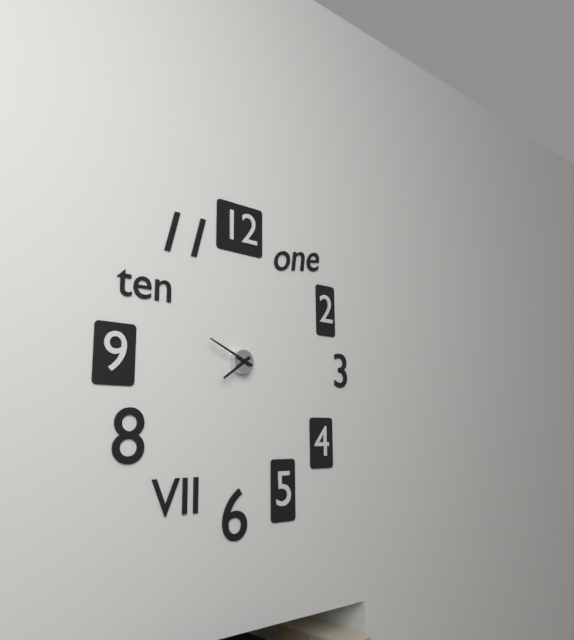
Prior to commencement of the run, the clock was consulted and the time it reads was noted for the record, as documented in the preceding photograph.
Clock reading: 7:49
